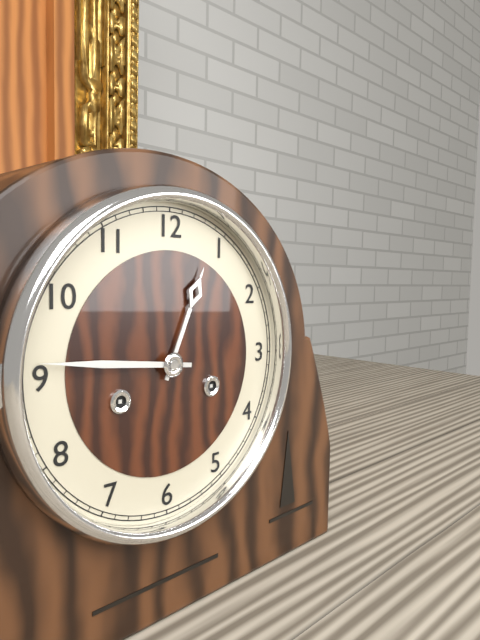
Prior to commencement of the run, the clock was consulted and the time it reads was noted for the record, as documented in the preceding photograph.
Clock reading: 12:46
